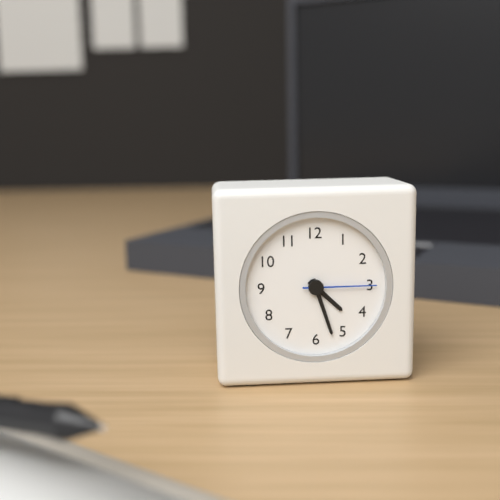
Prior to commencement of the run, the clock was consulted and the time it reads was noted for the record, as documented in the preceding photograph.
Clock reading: 4:27:15
